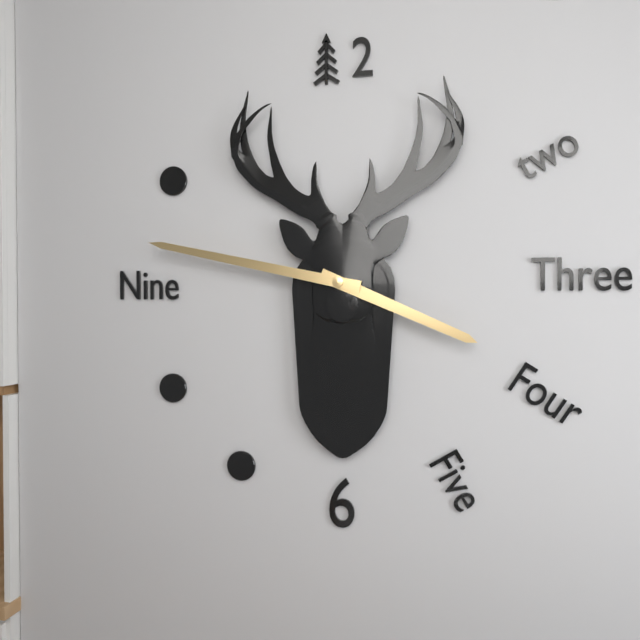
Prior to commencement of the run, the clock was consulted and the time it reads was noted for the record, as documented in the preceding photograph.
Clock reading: 3:47
